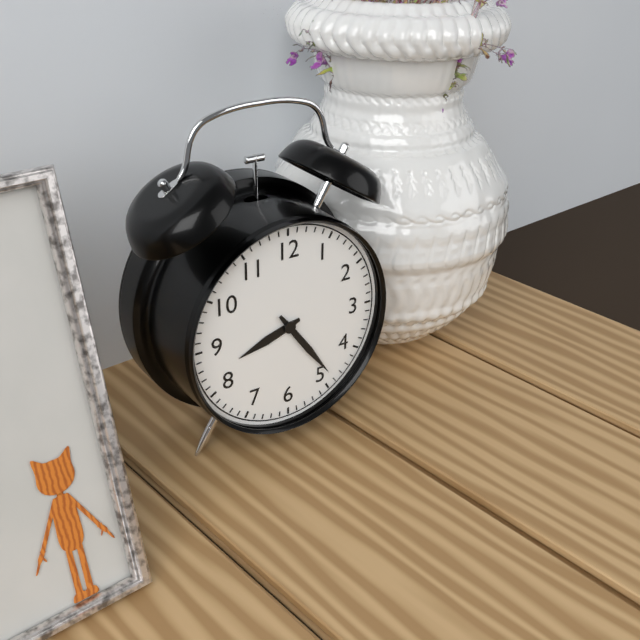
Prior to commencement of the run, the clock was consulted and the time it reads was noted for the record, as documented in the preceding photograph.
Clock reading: 8:24
